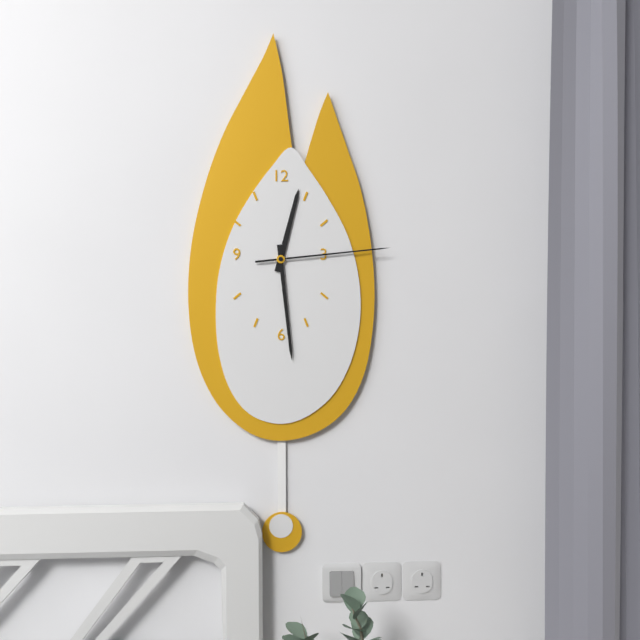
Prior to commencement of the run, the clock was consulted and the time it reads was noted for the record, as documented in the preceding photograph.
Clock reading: 12:29:14
